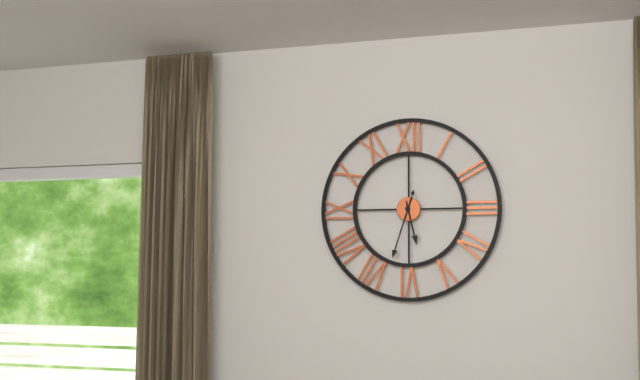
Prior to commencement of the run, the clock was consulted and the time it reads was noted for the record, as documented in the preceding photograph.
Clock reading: 5:33
